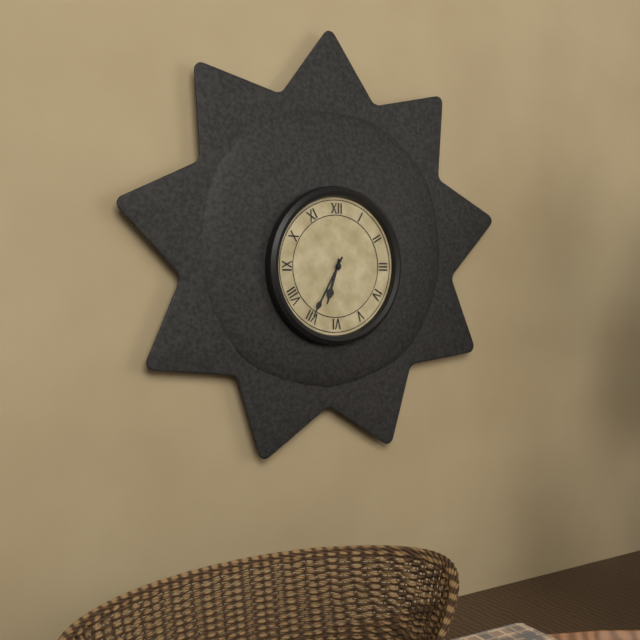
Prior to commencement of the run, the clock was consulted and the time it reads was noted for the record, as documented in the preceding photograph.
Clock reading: 6:35
